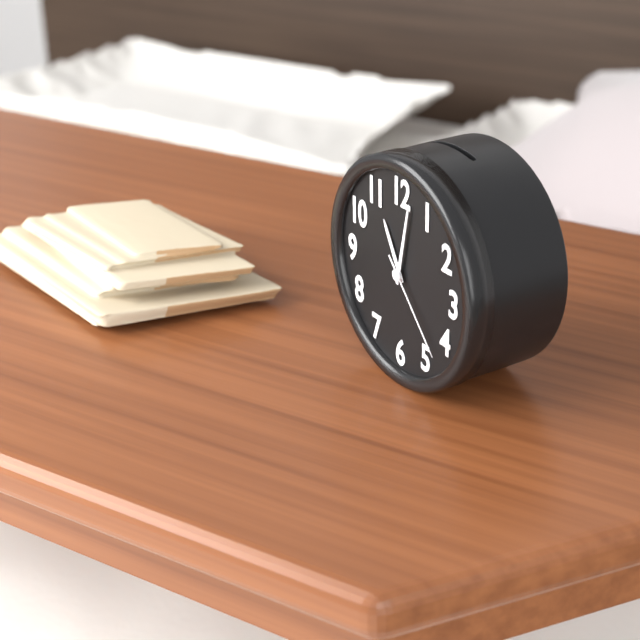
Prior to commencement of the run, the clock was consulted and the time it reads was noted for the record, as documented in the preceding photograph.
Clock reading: 11:02:23
